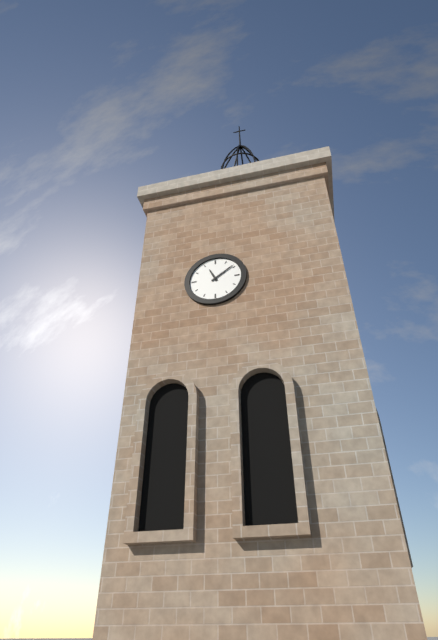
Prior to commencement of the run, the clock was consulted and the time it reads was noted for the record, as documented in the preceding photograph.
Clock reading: 11:09
